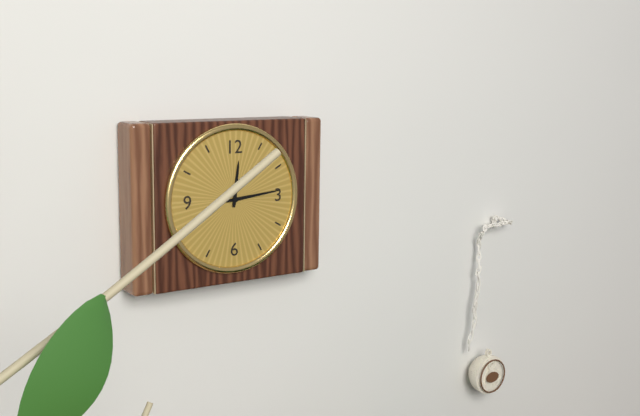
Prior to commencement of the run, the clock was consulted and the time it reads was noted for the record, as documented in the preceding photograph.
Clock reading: 12:14
